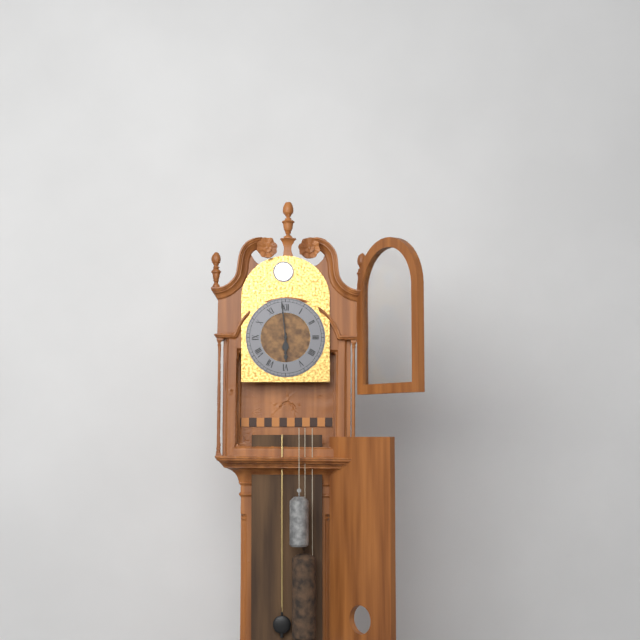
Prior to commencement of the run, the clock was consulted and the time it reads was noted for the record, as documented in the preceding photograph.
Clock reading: 5:59
